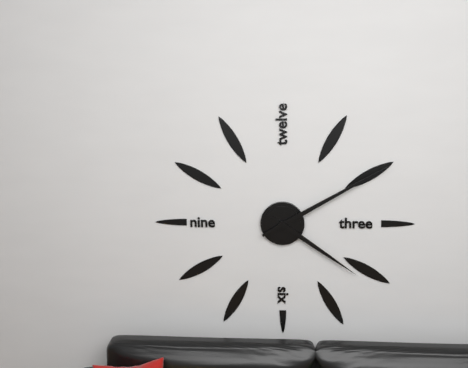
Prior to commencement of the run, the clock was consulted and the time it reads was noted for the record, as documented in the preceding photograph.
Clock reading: 4:10
